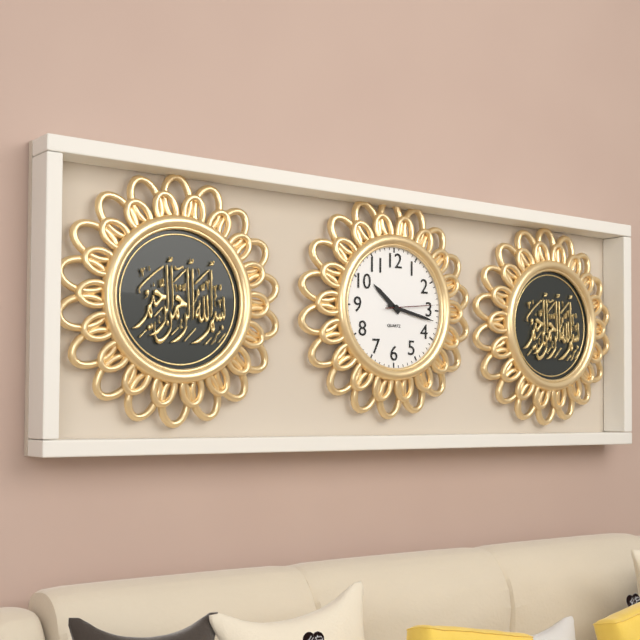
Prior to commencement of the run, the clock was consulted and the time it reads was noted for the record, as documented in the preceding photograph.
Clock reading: 10:17:14
